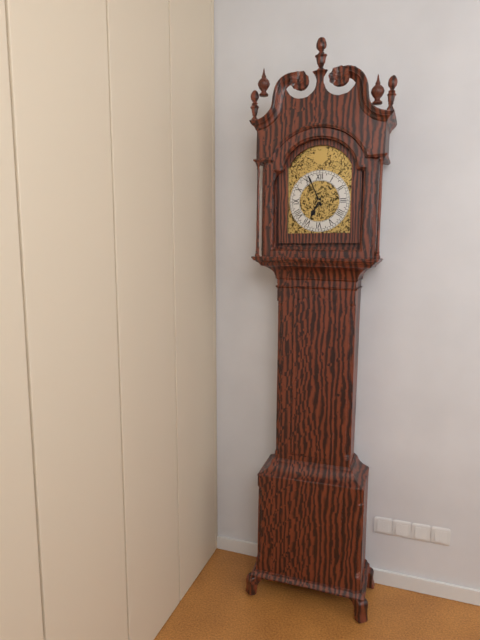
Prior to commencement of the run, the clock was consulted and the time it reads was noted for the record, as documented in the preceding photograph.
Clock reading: 6:56
